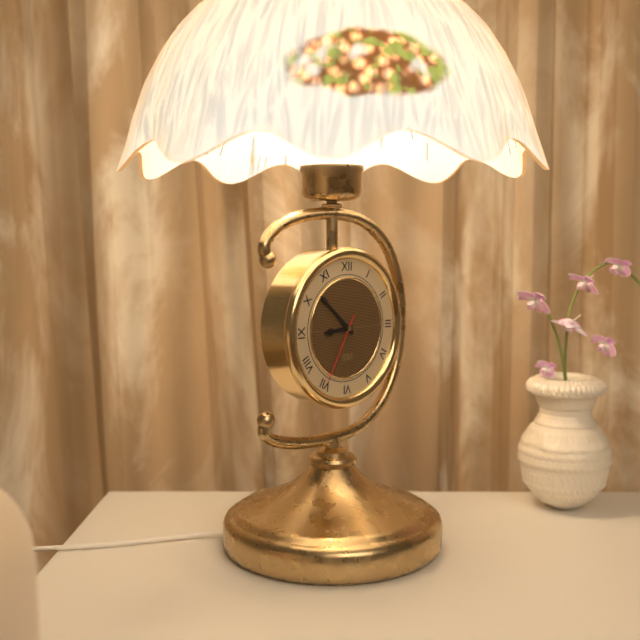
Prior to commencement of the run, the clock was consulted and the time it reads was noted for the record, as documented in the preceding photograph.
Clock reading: 8:52:35
